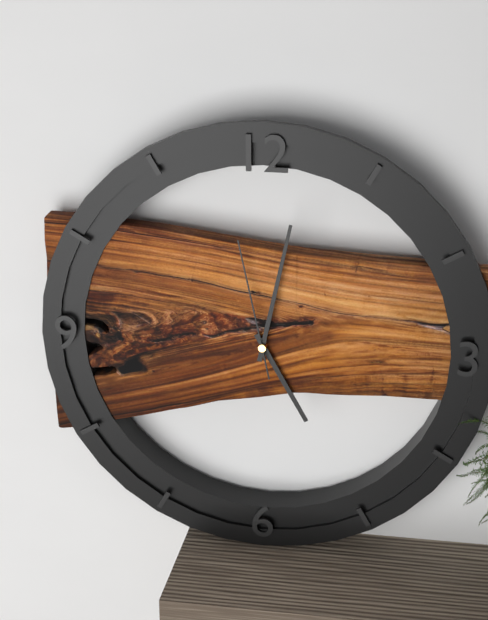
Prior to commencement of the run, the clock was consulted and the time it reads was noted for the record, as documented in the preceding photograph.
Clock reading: 5:02:58
